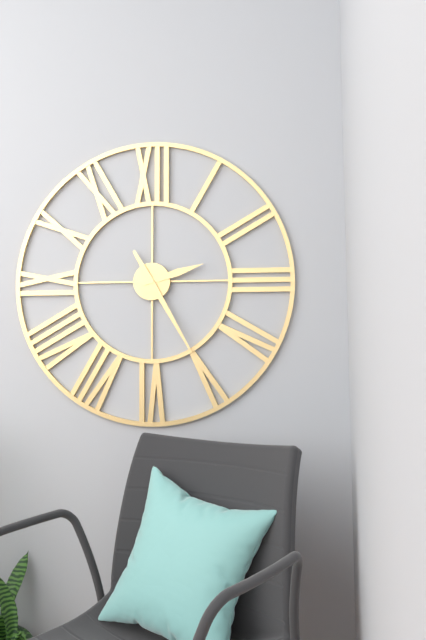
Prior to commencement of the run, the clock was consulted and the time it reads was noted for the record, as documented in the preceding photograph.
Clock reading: 2:25
